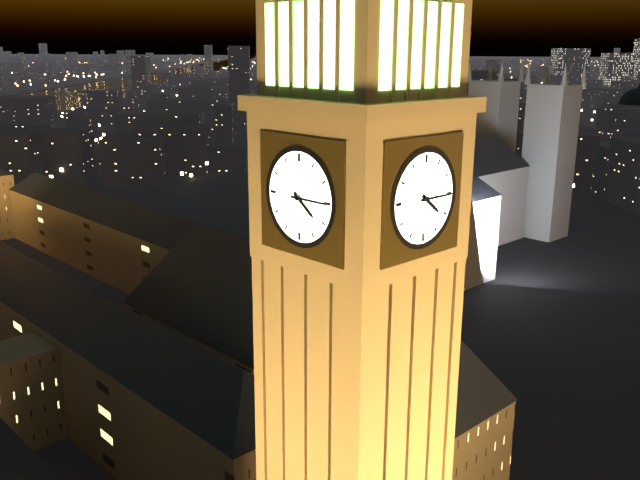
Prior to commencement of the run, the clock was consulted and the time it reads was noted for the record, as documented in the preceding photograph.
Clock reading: 4:15
